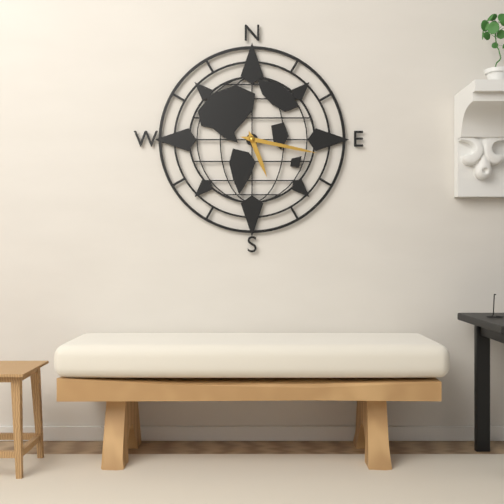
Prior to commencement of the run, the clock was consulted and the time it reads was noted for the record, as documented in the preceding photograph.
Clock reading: 5:17
